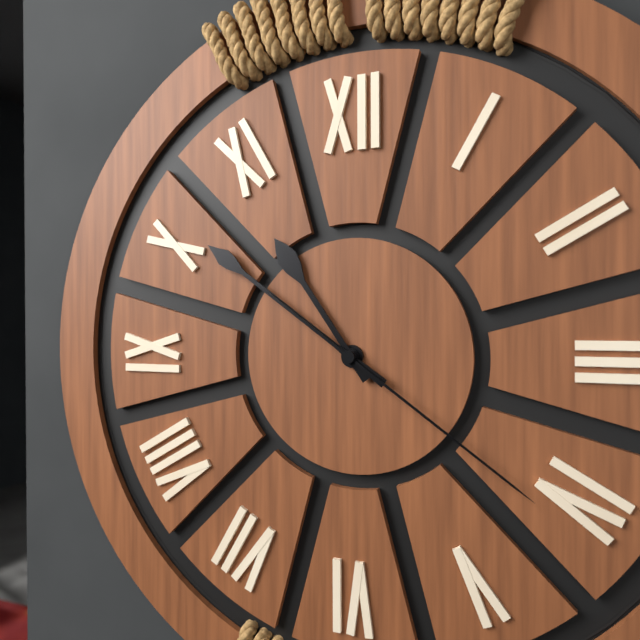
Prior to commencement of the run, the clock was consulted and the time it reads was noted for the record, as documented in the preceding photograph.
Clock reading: 10:51:21
